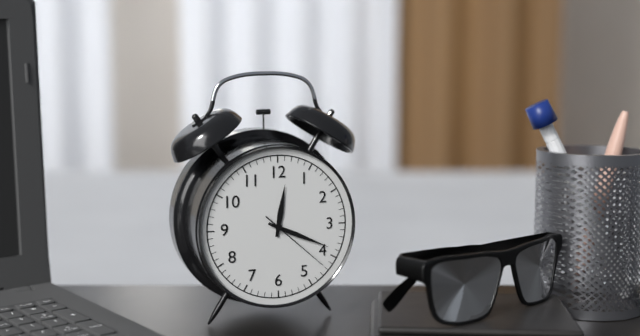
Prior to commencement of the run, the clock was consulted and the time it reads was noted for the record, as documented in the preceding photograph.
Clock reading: 12:19:22
